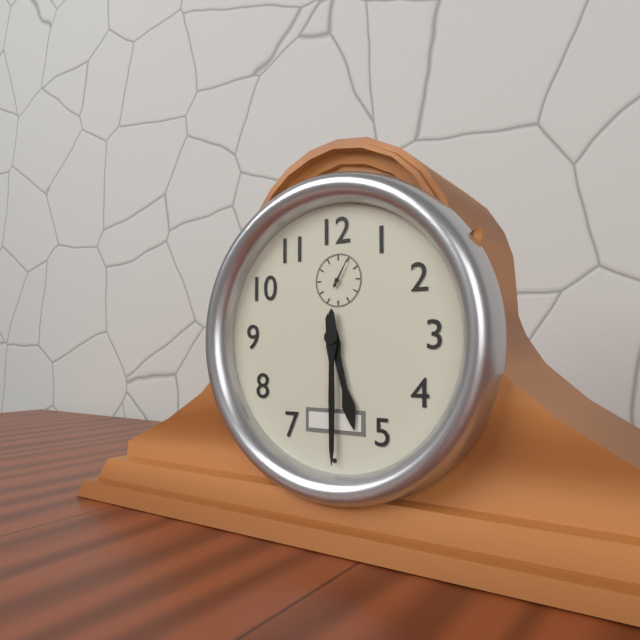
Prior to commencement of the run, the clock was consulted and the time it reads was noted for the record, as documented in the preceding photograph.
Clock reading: 5:30
